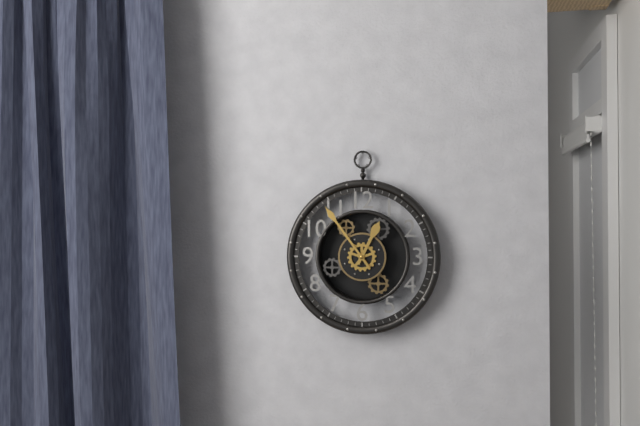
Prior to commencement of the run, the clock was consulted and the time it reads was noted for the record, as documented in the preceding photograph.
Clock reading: 12:54
